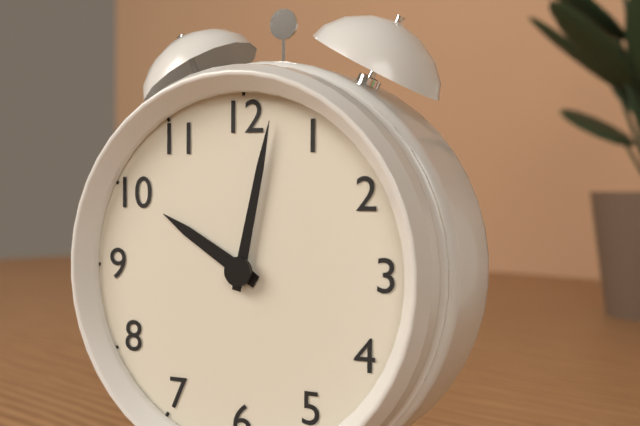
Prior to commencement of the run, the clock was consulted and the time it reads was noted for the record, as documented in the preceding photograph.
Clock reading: 10:02
